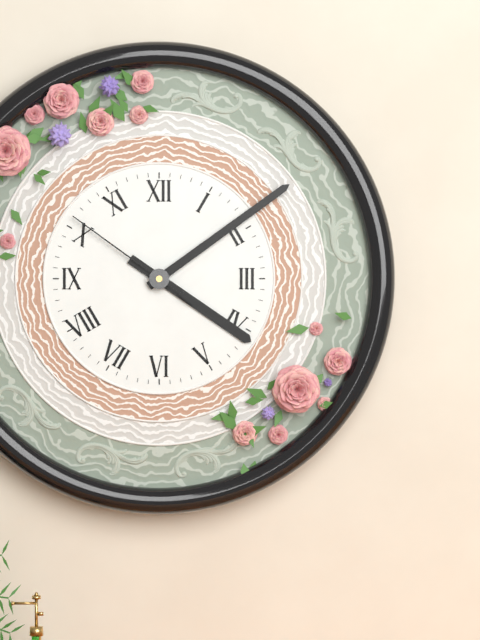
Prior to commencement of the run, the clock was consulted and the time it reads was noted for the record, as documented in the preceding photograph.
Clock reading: 4:09:51
